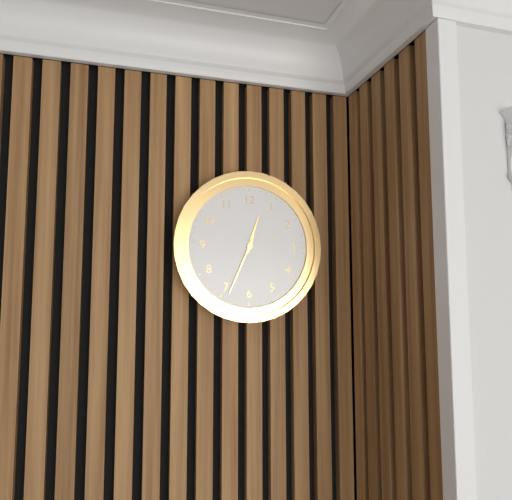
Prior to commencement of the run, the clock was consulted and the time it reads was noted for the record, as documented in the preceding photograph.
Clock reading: 12:34
